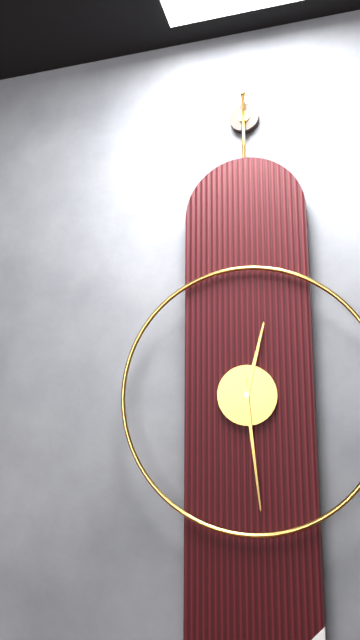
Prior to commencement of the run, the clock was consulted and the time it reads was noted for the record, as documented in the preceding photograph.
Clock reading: 12:29
